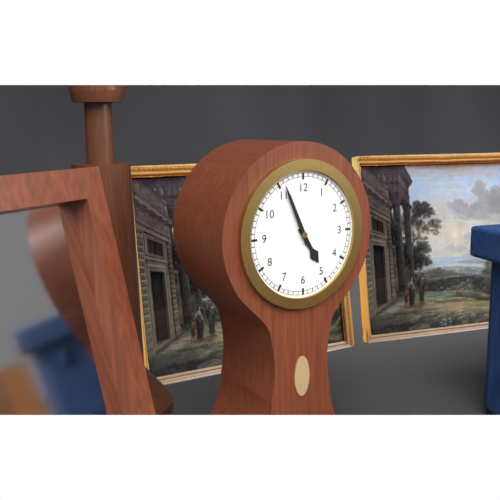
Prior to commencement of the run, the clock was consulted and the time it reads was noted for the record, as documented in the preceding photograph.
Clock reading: 4:56
